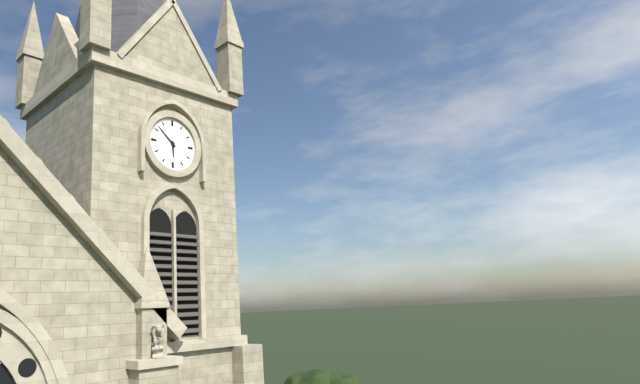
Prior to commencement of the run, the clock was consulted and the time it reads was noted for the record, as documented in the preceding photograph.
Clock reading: 5:52
